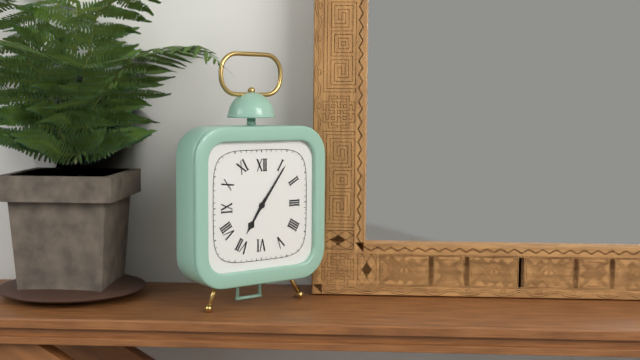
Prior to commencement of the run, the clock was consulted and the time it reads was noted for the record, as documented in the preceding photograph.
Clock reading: 7:06
